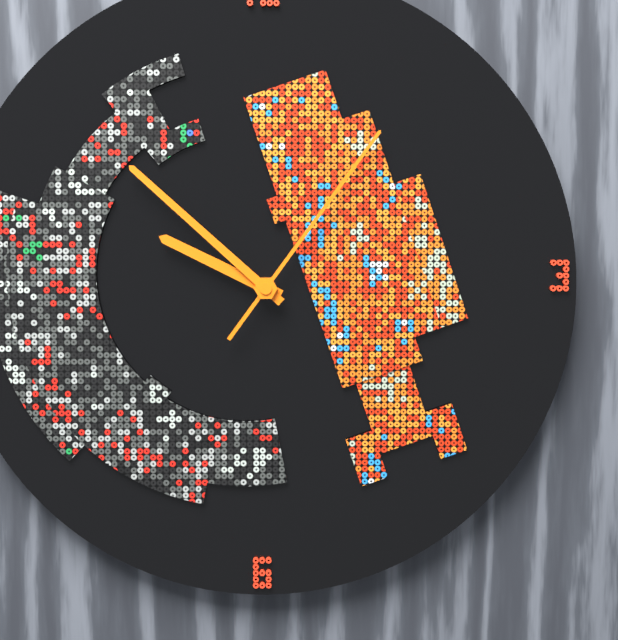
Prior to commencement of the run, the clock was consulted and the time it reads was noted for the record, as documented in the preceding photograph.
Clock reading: 9:52:06
